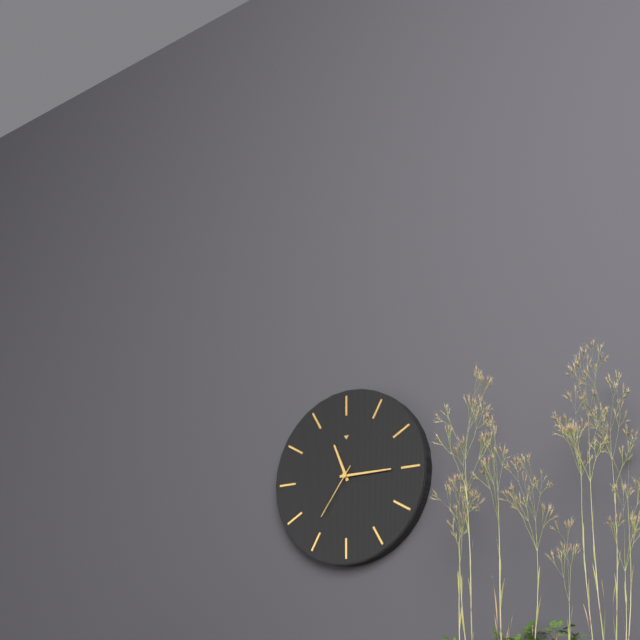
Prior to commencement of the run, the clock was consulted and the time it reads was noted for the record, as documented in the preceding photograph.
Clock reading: 11:15:36
